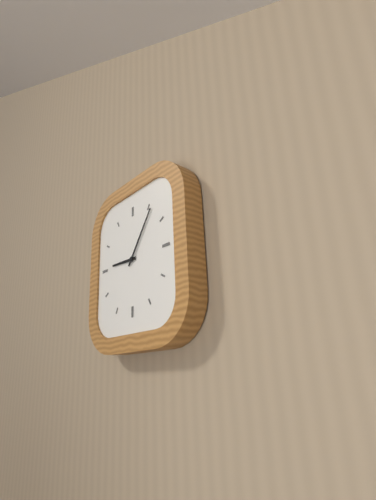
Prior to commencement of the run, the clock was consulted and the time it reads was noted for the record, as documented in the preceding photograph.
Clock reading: 9:06
